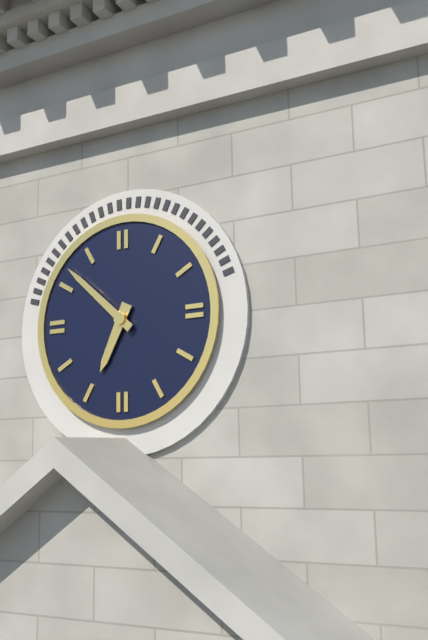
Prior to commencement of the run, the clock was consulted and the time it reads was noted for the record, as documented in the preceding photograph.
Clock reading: 6:52
